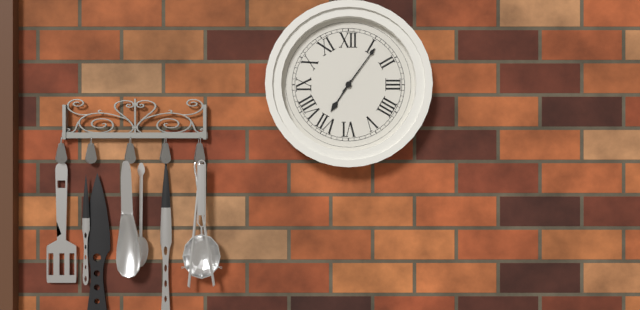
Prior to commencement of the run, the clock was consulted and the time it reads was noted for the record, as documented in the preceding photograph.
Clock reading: 7:06
